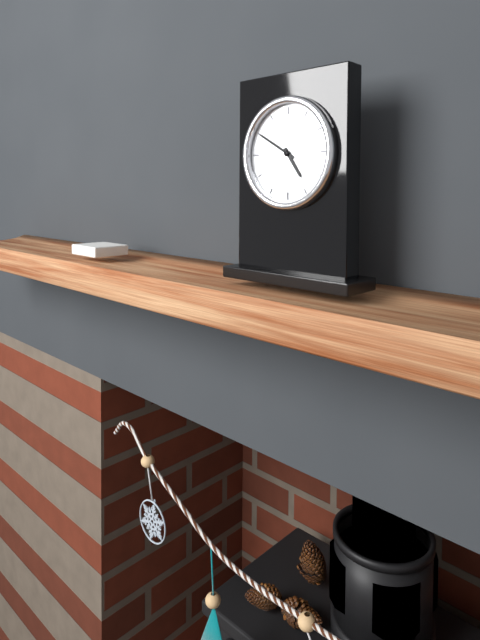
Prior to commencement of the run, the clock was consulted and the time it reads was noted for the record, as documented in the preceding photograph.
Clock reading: 4:50
